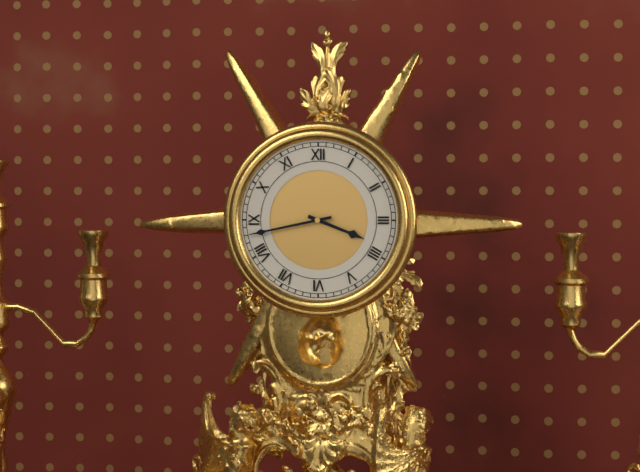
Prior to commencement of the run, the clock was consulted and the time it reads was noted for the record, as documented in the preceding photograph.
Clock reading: 3:43
